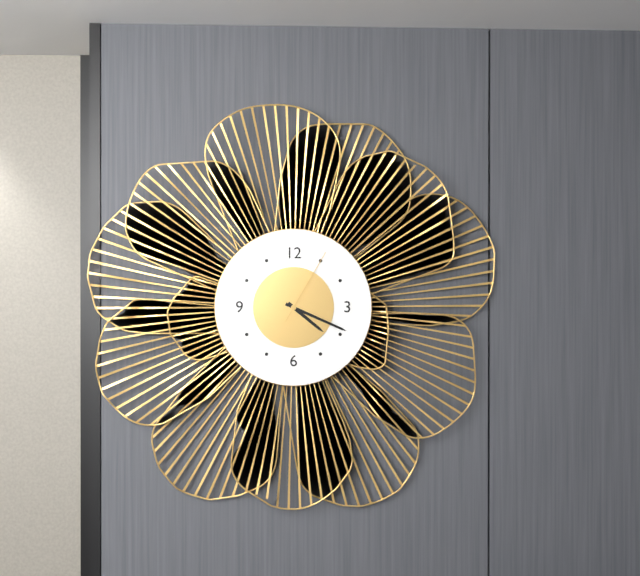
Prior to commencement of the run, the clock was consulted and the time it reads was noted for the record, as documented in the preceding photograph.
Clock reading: 4:19:05
